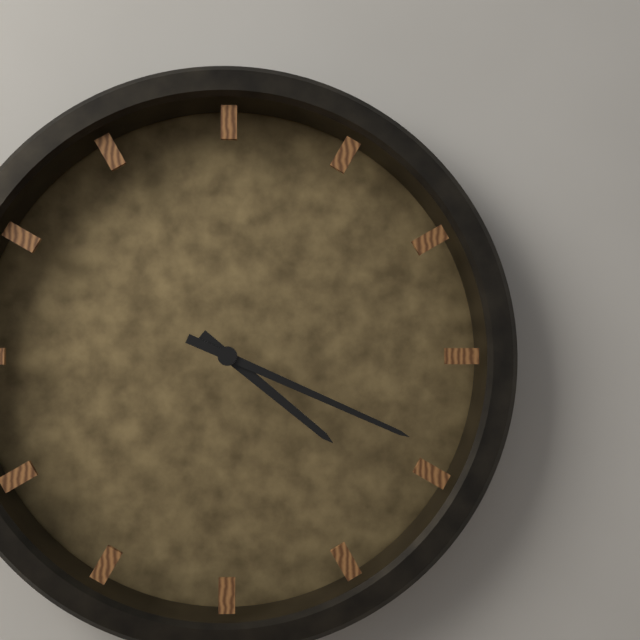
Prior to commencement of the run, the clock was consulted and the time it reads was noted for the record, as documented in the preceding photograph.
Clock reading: 4:19
